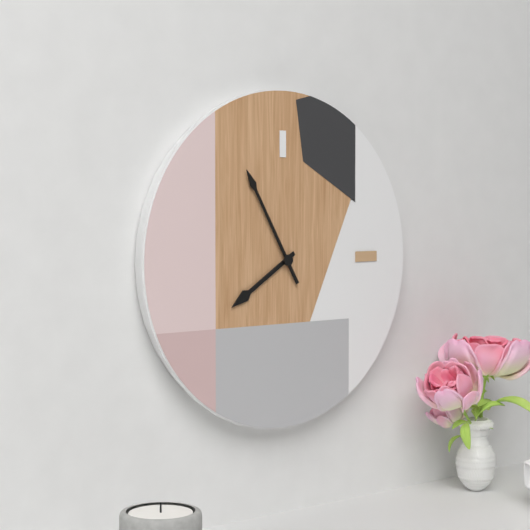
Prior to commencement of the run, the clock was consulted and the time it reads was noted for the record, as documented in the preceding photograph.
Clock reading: 7:55
